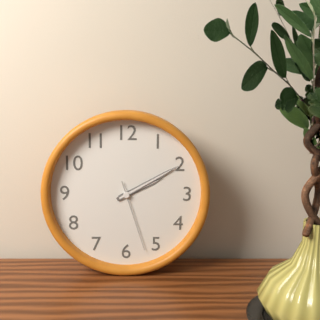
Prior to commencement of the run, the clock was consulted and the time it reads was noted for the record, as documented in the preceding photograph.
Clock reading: 2:10:27
